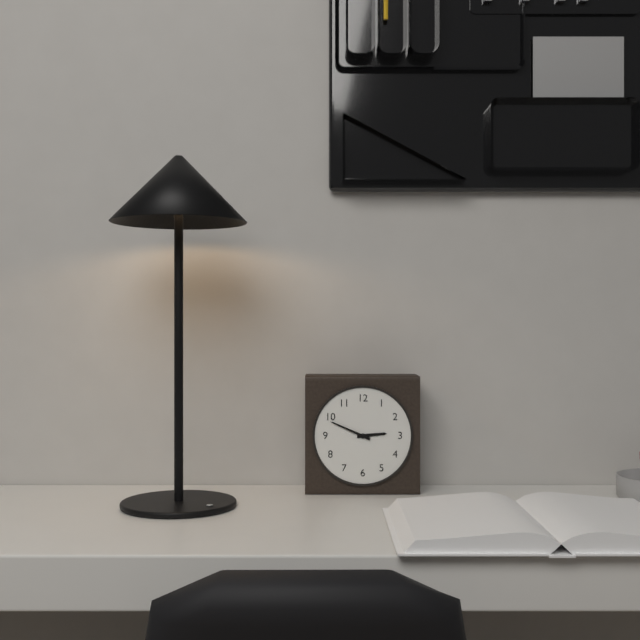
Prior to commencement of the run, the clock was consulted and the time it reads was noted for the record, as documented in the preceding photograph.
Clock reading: 2:49
